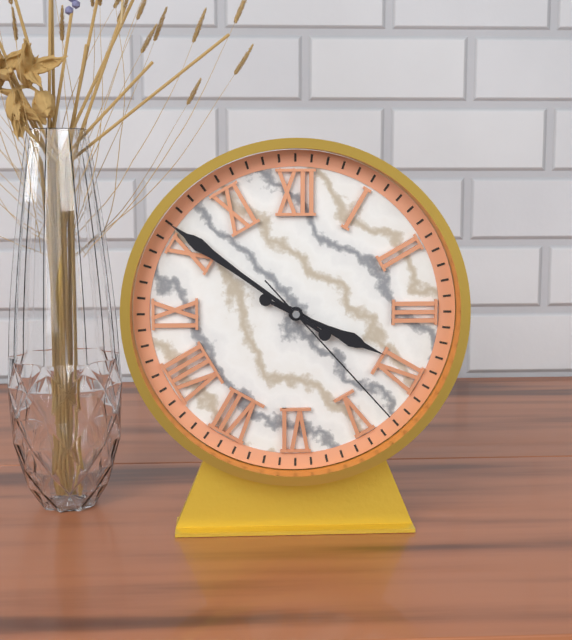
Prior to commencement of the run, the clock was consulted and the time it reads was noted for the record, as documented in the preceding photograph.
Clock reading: 3:51:23
